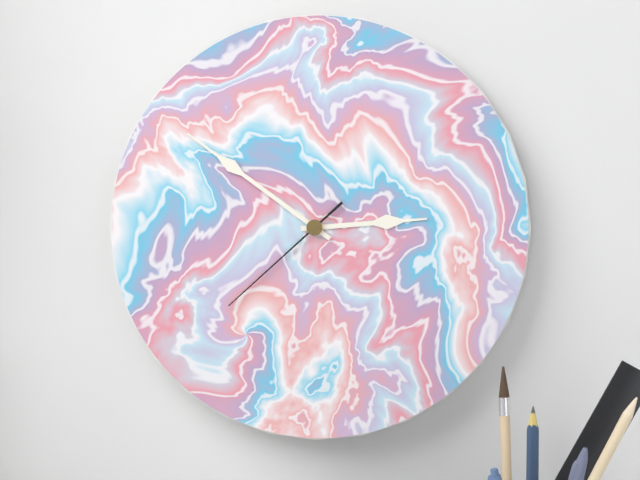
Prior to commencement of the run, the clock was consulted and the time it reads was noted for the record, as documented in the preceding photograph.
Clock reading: 2:51:38
